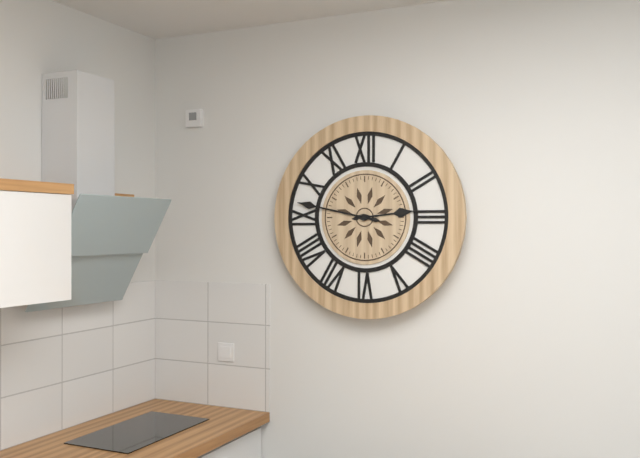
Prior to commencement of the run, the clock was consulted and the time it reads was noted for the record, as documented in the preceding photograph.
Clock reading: 2:47
